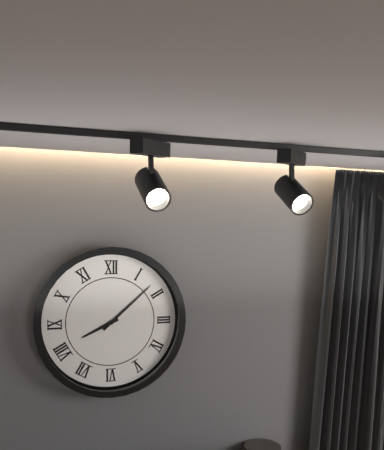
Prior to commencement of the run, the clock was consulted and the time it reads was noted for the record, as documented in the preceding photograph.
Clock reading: 8:08
